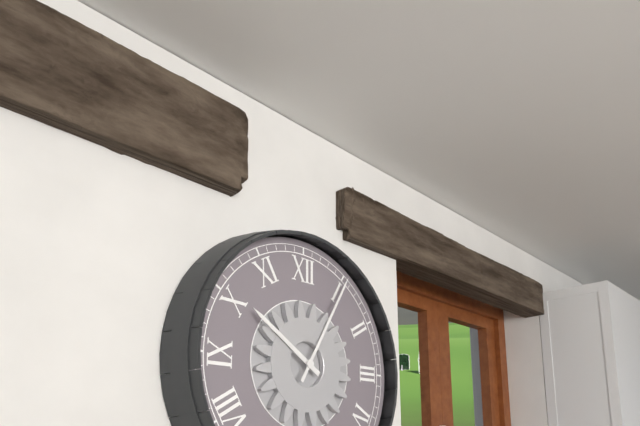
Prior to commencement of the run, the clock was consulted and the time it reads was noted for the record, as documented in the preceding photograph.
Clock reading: 10:05
